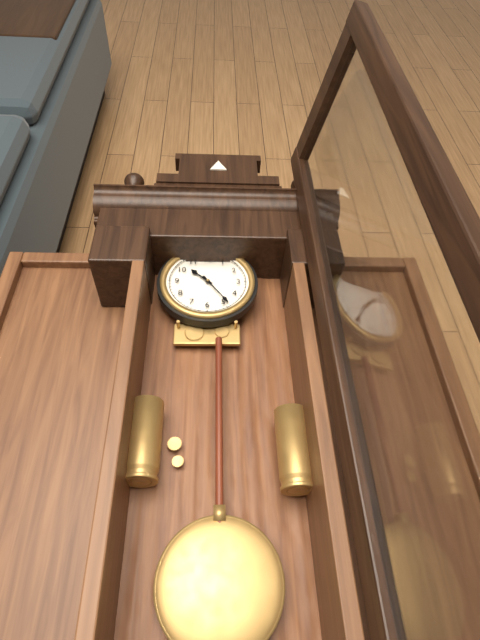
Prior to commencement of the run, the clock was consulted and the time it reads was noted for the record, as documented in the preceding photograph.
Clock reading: 10:24
